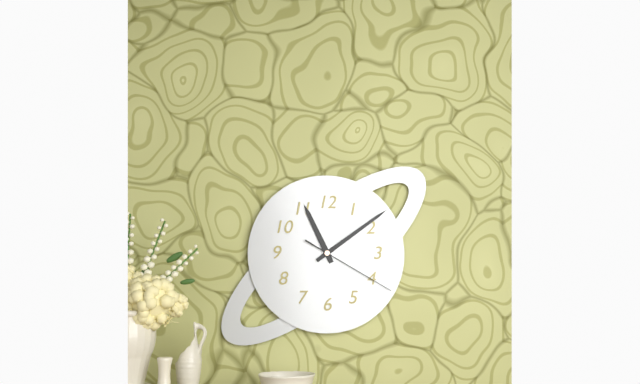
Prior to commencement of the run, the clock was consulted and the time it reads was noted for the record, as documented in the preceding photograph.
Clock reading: 11:09:20
